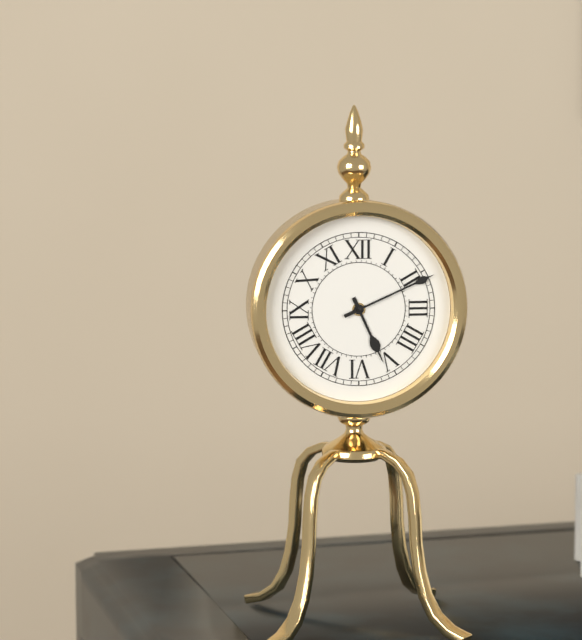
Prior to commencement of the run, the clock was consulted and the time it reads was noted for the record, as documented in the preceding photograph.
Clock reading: 5:11
